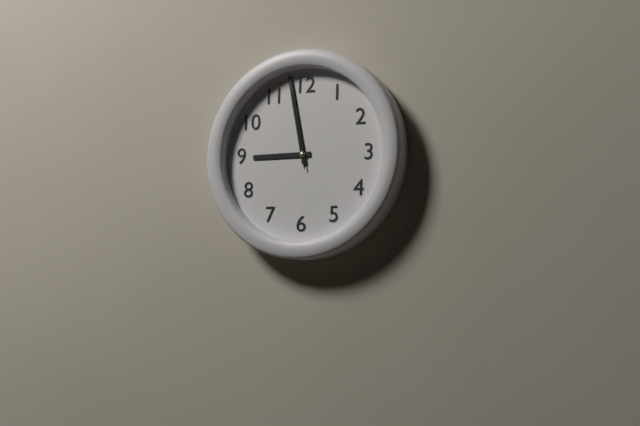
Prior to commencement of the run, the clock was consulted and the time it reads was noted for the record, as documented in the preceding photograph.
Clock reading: 8:58:58
